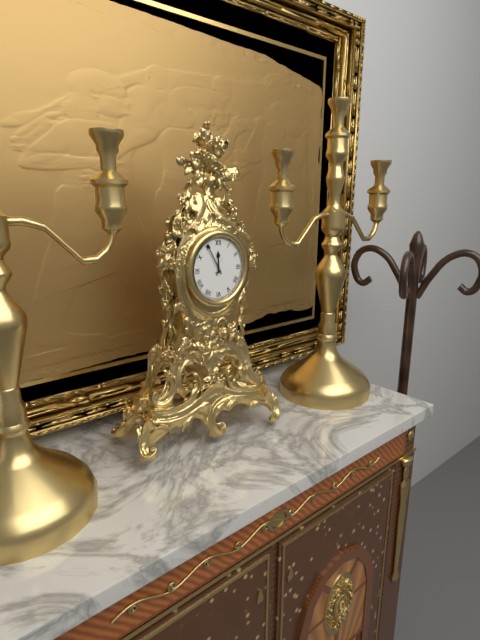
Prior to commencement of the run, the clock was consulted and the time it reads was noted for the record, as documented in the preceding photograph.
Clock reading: 11:55
